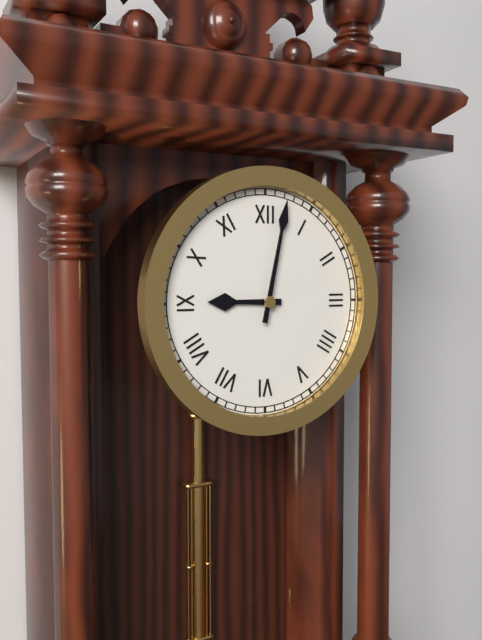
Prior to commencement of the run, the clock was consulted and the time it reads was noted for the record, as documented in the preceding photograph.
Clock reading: 9:02
